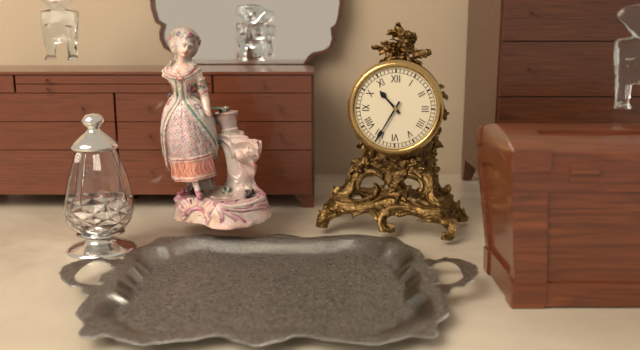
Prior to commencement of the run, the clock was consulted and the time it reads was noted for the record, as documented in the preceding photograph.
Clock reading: 10:35
